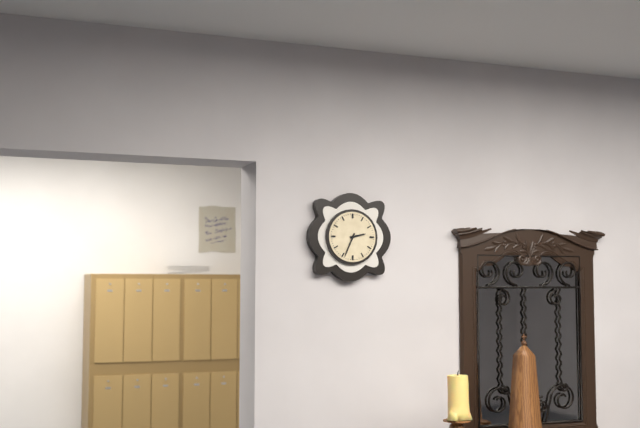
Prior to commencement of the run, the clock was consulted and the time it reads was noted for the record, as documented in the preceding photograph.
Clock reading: 2:34
